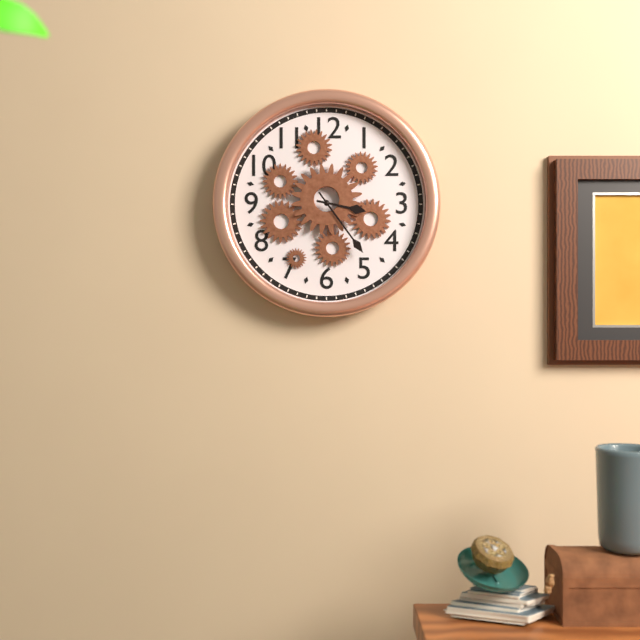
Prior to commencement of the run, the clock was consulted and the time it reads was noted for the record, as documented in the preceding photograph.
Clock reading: 3:24
